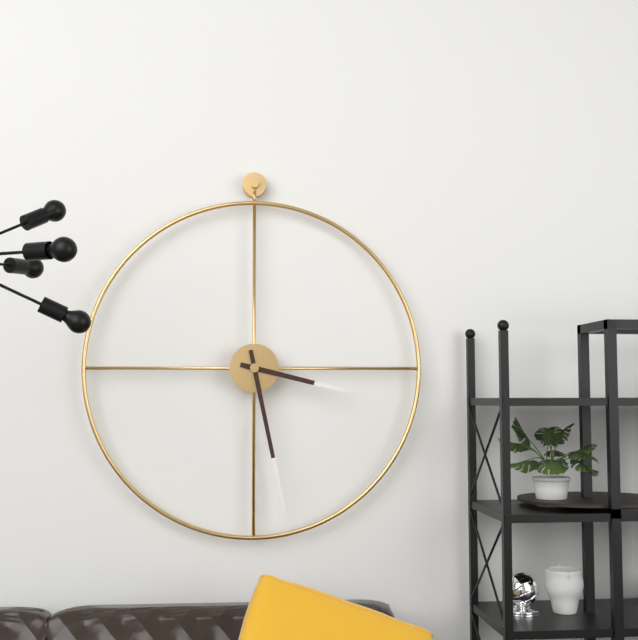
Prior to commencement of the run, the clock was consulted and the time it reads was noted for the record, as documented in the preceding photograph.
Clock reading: 3:28
